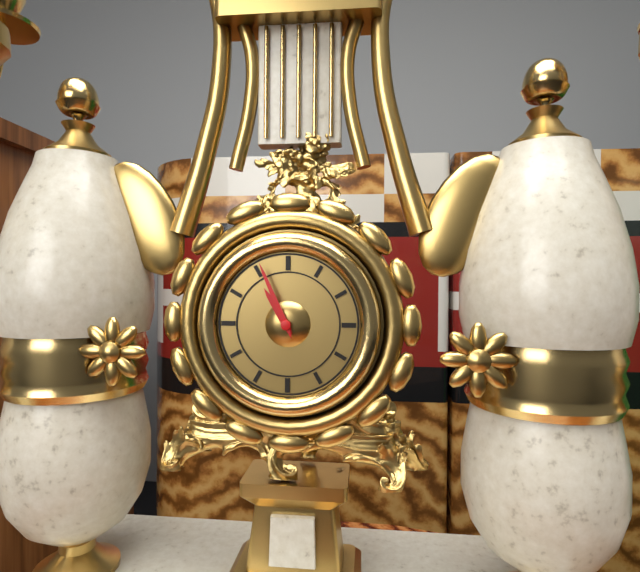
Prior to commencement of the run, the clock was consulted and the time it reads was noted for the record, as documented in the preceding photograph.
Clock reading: 10:56
